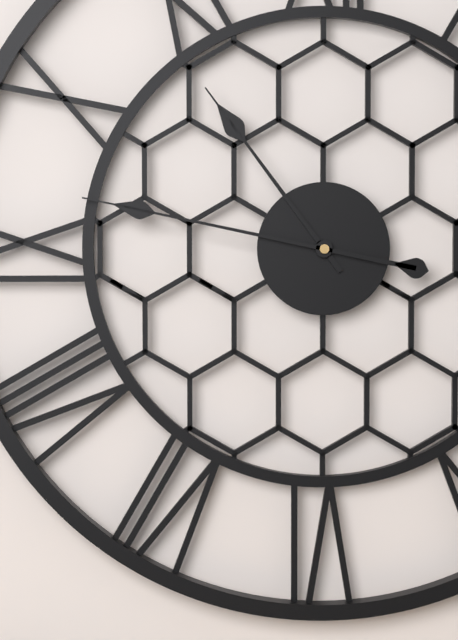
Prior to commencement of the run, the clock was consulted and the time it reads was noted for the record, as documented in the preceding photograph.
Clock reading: 10:47
